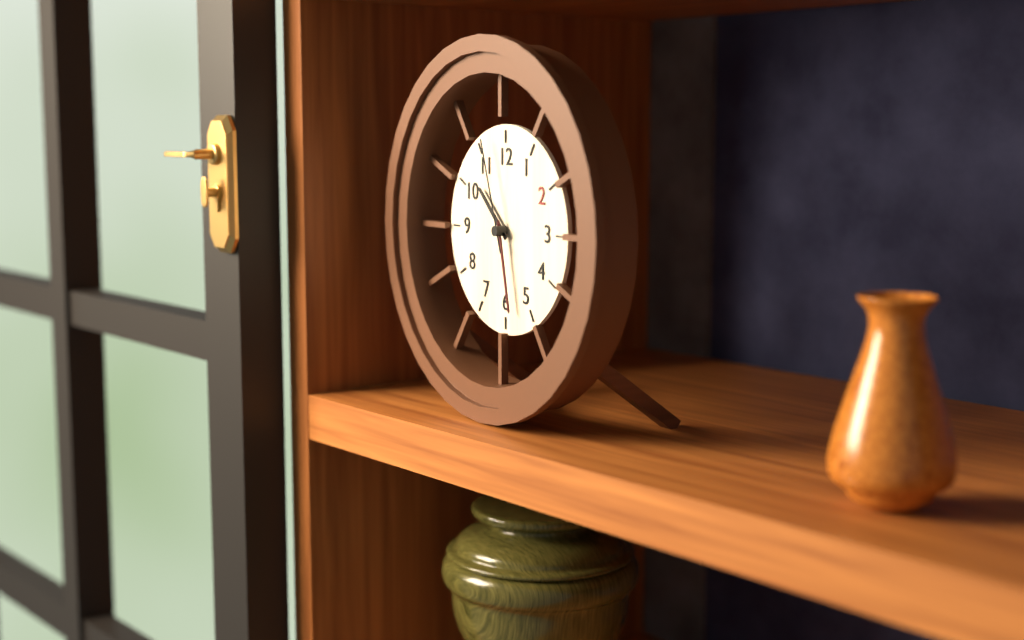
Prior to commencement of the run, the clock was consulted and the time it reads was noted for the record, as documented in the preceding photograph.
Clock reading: 10:28:57
